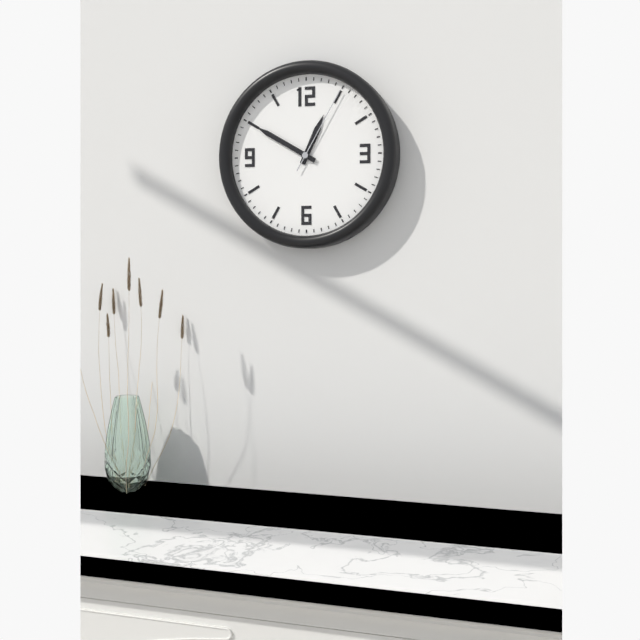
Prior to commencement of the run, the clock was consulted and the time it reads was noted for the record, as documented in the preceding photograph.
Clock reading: 12:50:05
